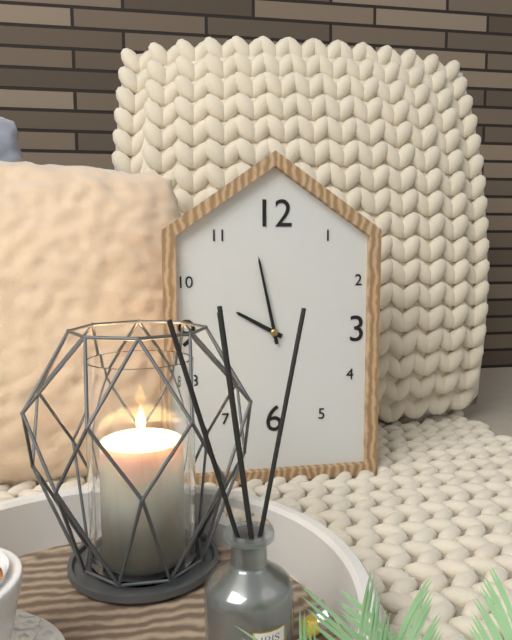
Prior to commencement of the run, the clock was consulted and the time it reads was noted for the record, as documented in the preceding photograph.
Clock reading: 9:58
